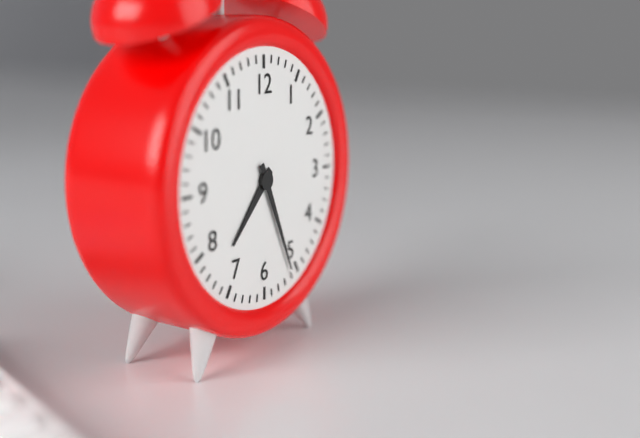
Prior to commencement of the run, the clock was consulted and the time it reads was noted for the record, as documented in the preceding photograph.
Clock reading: 7:26
